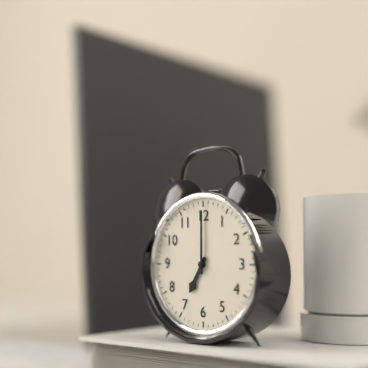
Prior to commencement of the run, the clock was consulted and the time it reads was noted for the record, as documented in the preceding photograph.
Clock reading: 7:00
